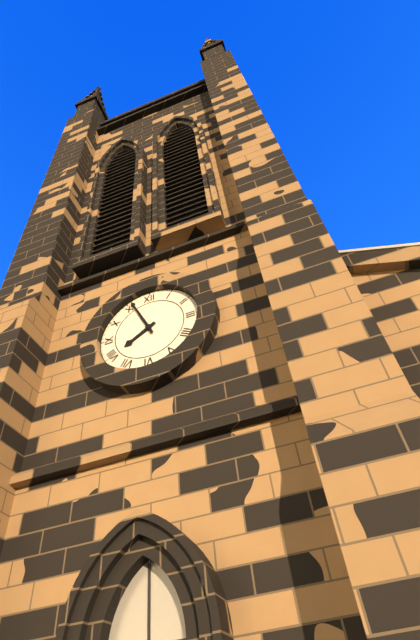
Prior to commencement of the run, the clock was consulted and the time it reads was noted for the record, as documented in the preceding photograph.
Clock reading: 7:56
